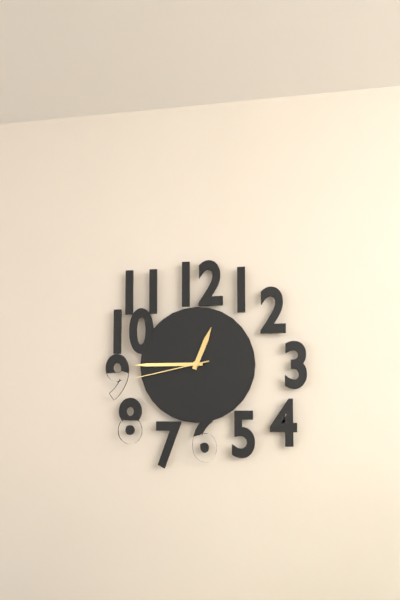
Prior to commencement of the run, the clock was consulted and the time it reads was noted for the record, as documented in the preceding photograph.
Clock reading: 12:45:43
